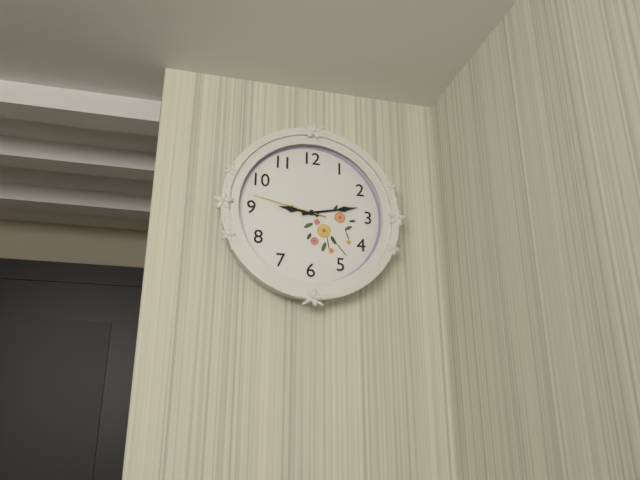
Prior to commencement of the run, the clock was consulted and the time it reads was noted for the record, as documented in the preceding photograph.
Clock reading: 9:13:47
